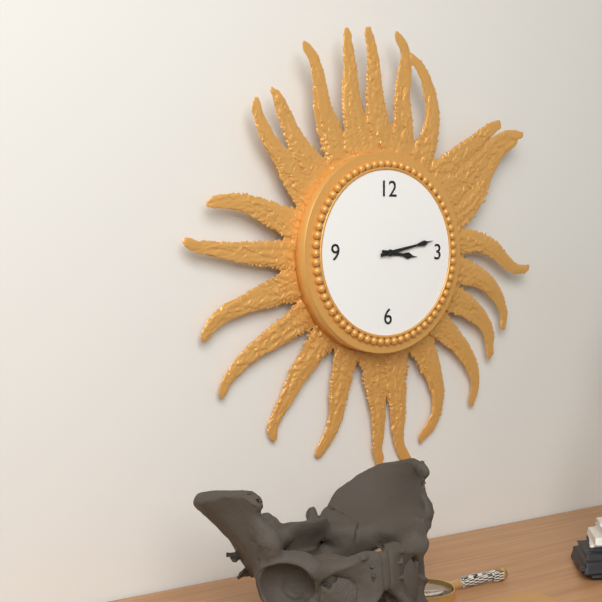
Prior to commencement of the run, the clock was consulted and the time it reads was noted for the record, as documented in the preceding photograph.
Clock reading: 3:13
